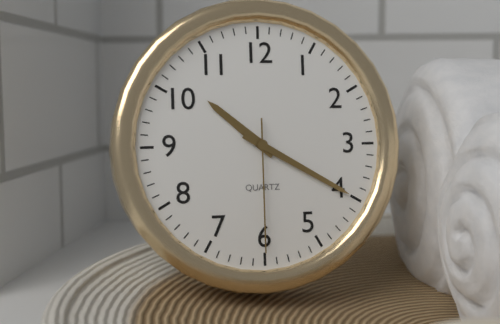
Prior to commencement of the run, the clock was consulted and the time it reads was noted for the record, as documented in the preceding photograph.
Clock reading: 10:20:30
